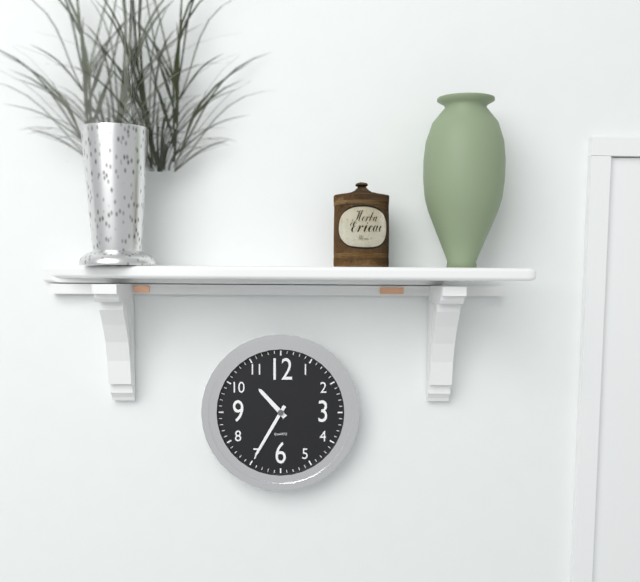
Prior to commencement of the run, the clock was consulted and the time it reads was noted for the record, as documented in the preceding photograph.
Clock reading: 10:35
